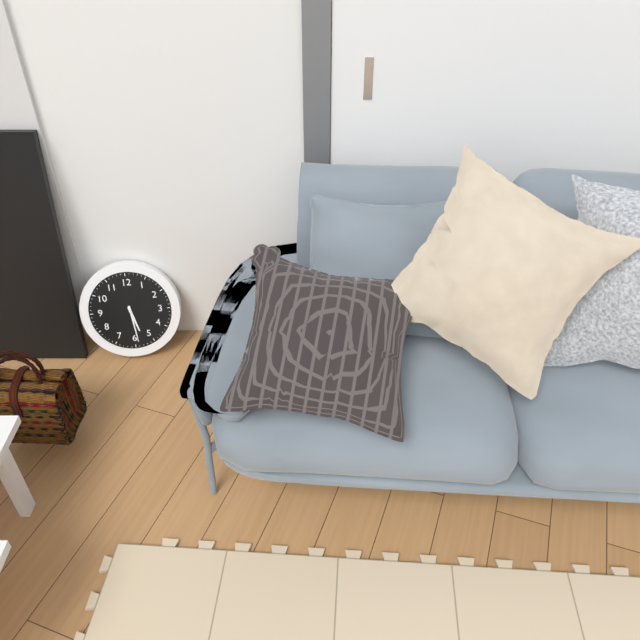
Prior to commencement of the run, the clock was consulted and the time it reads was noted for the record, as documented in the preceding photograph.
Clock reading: 5:29
